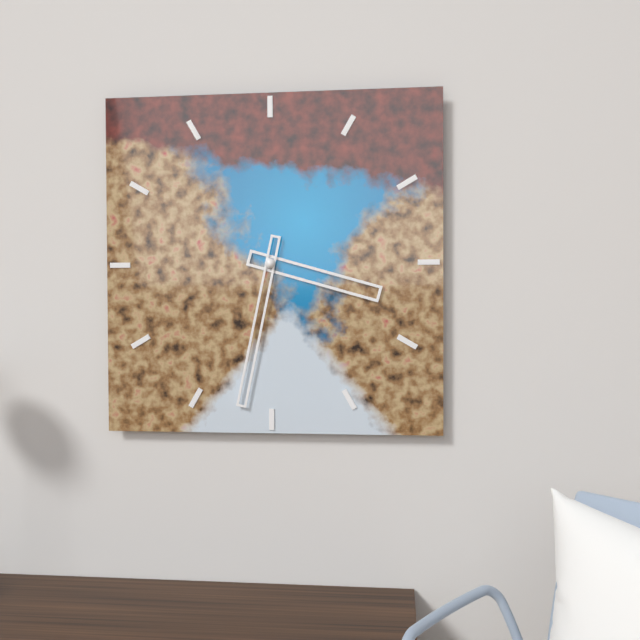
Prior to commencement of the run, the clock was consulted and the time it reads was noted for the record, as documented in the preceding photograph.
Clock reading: 3:32
